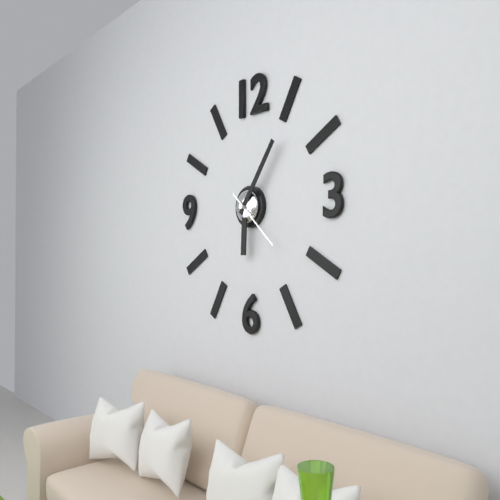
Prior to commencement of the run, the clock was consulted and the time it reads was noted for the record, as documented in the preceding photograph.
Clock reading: 6:06:22
